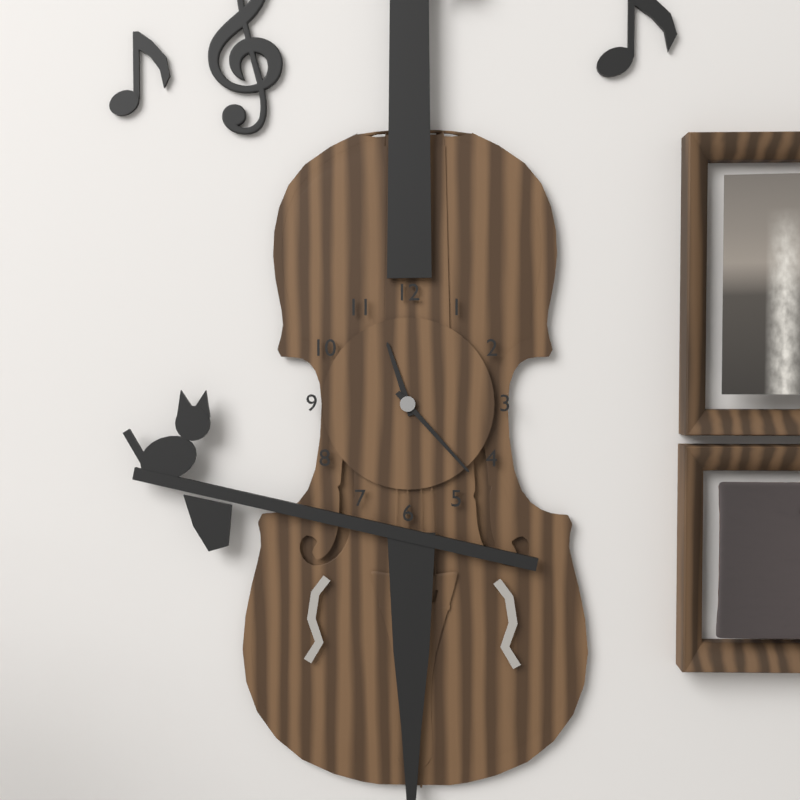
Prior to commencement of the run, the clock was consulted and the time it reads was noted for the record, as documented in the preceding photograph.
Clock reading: 11:23
